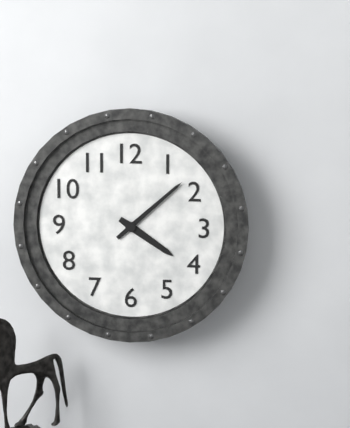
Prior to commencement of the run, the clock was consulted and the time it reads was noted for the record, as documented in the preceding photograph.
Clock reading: 4:08
